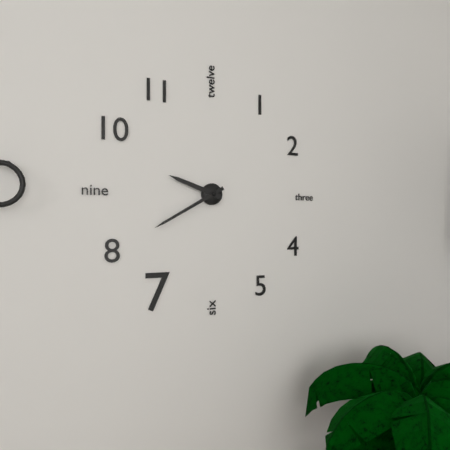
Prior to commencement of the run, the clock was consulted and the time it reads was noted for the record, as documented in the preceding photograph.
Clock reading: 9:40
